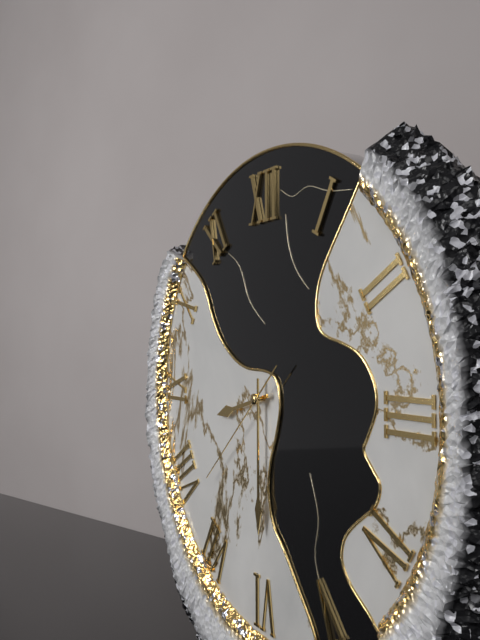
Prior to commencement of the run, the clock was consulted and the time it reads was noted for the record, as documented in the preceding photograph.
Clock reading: 8:30:38
